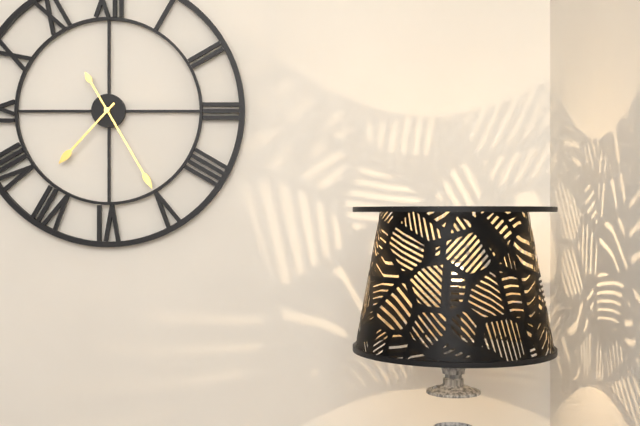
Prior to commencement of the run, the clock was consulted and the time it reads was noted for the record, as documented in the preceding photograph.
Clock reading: 7:25
